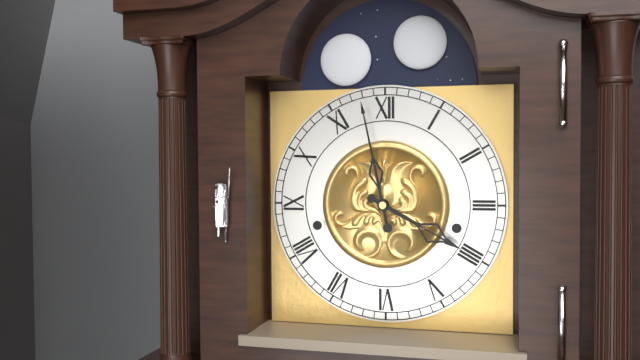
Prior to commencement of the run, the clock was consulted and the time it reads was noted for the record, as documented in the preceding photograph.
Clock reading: 3:58
